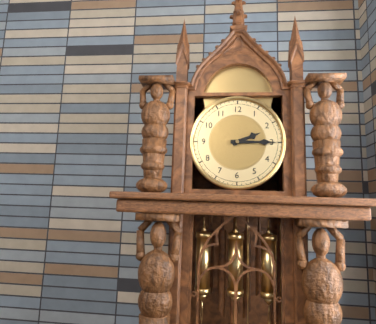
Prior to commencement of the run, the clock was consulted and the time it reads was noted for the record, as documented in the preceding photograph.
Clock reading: 2:15
